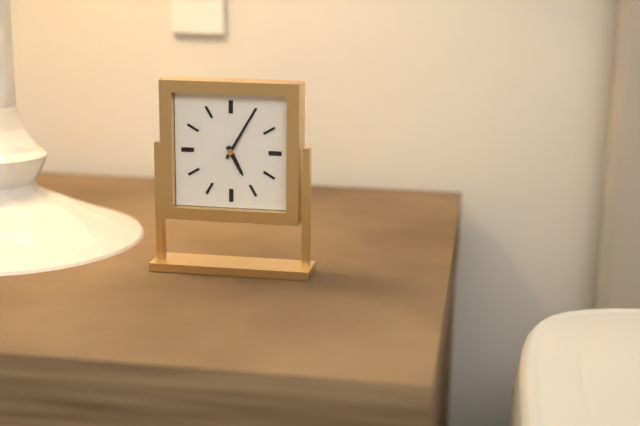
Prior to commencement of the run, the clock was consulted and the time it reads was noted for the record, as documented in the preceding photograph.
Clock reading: 5:05
